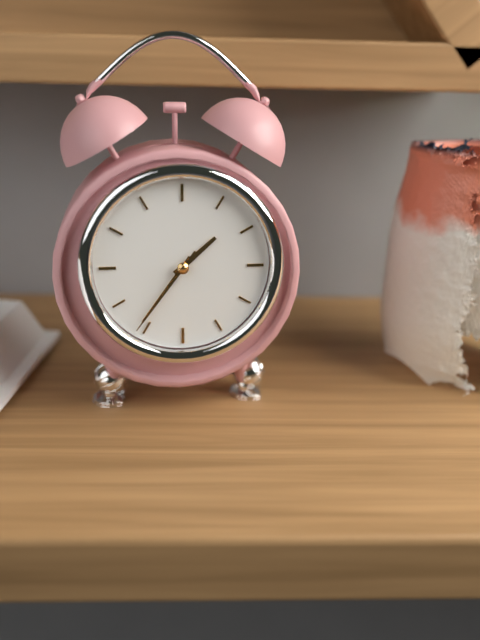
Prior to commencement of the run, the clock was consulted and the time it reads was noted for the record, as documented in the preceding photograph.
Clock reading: 1:36:36
